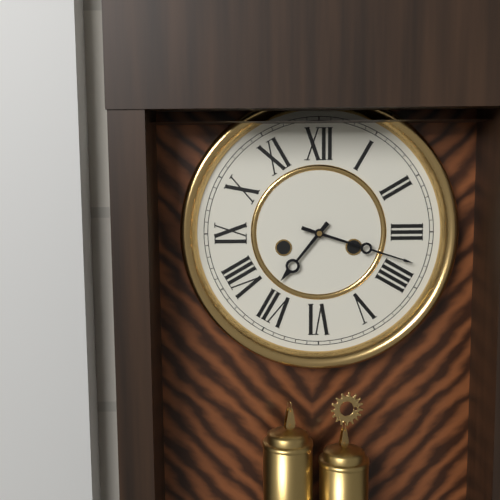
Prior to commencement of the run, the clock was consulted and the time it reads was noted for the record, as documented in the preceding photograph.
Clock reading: 7:18
